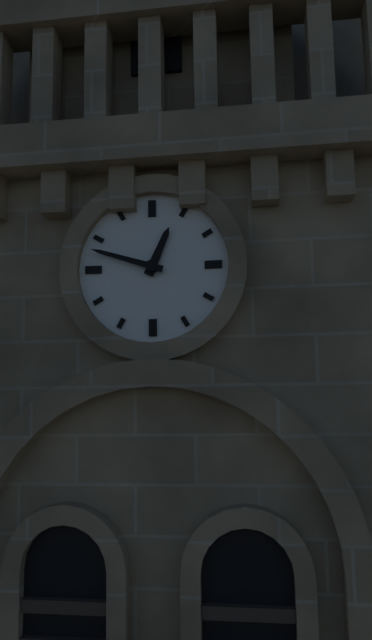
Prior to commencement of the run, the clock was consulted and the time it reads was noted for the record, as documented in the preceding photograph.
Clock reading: 12:48
